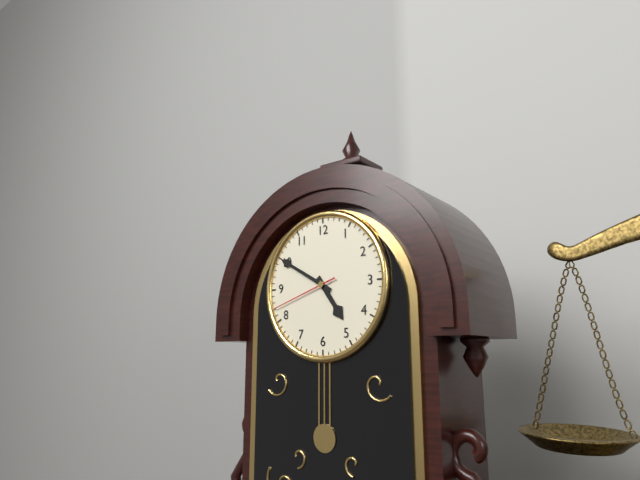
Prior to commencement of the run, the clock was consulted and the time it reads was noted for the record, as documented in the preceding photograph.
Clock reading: 4:50:42
